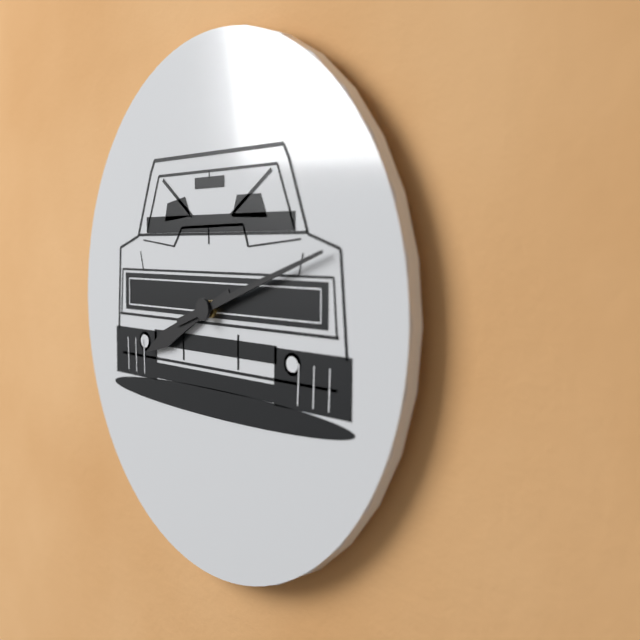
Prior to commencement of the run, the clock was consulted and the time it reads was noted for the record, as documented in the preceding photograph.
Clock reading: 8:12
